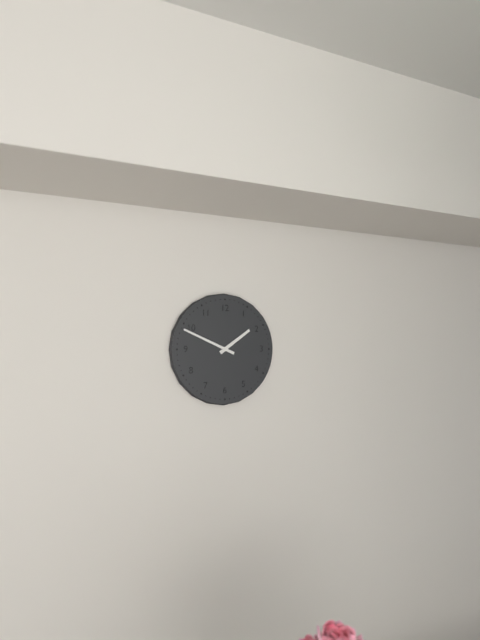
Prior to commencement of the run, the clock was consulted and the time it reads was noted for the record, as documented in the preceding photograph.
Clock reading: 1:49
